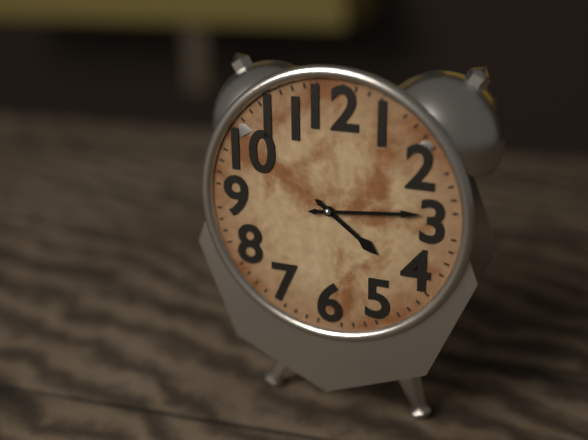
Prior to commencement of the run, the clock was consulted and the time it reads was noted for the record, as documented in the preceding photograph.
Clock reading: 4:14
